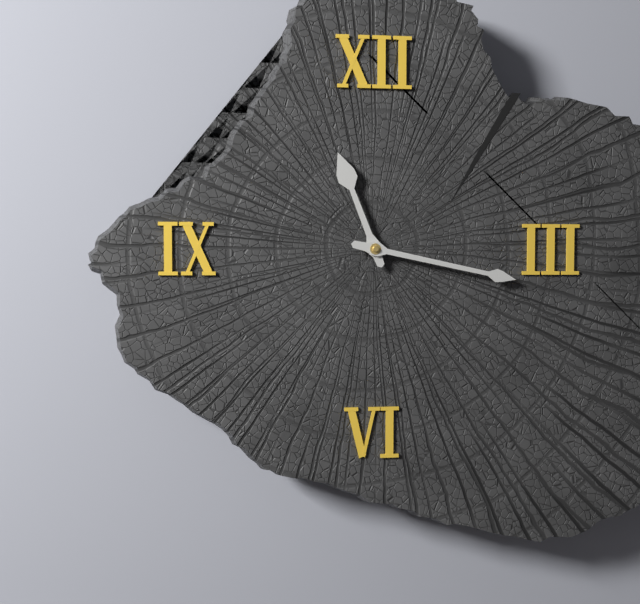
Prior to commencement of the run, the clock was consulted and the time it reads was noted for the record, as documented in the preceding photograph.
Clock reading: 11:17
